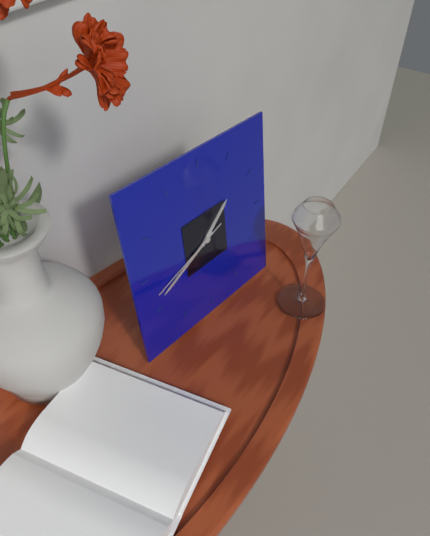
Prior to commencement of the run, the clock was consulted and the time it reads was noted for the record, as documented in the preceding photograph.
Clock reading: 1:41:42
